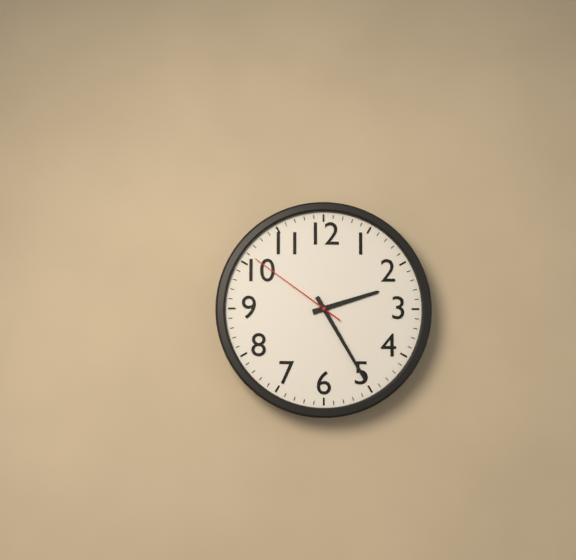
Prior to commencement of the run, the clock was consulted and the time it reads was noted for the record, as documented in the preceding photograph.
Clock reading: 2:25:51
